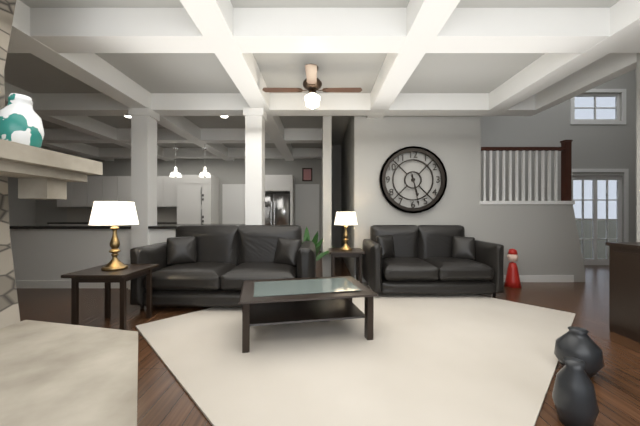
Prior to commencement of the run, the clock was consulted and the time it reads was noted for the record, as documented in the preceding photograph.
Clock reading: 5:28
